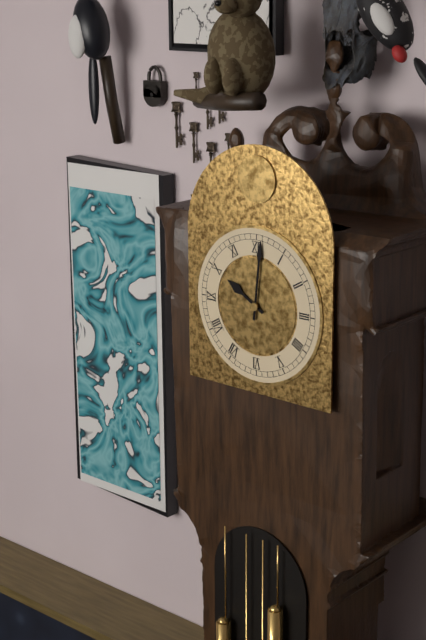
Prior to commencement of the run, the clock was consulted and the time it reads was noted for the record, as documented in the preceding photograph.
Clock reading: 10:01
